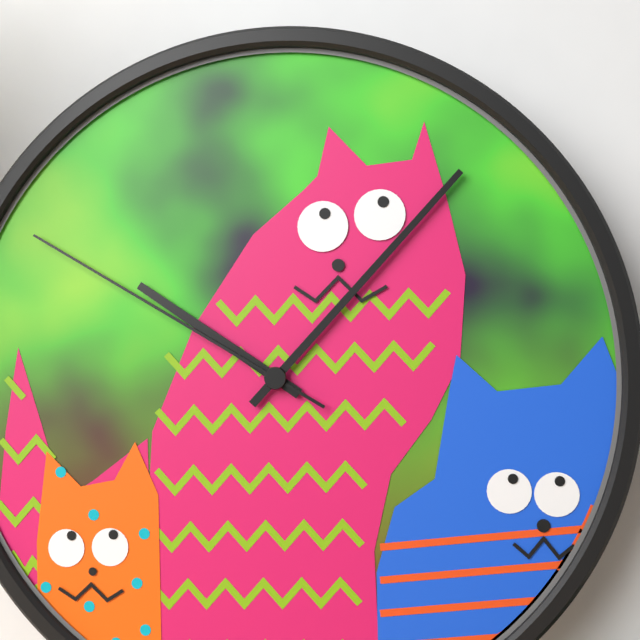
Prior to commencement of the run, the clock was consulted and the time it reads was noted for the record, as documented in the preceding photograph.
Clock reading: 10:07:50
